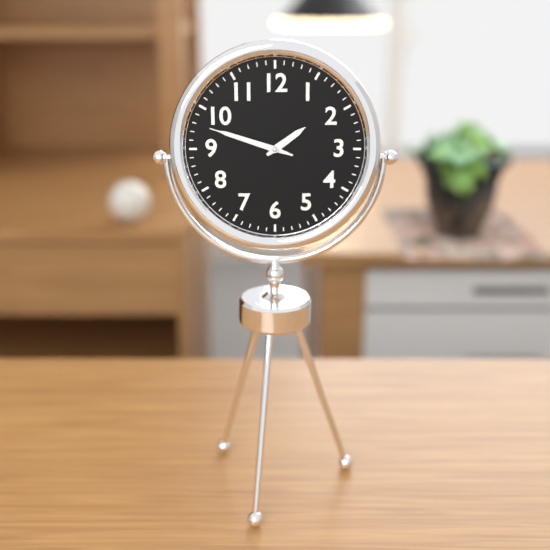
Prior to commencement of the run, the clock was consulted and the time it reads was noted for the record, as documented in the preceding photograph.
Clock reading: 1:48:48
